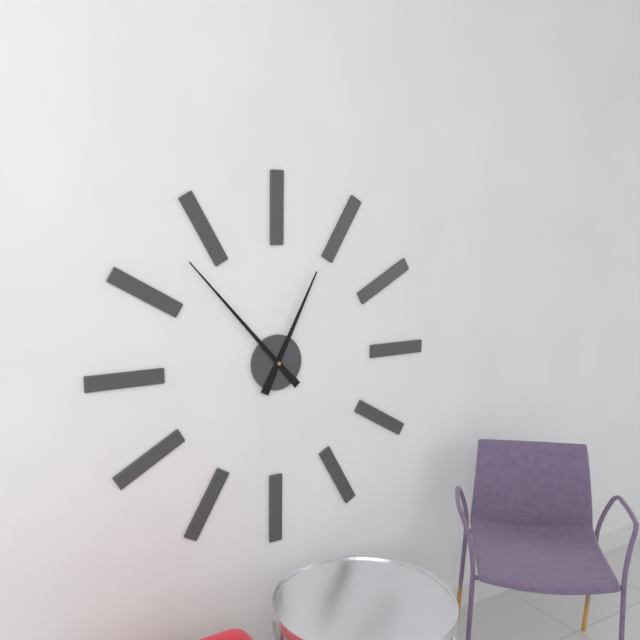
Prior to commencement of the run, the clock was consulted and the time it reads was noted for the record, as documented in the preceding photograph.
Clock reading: 12:53
